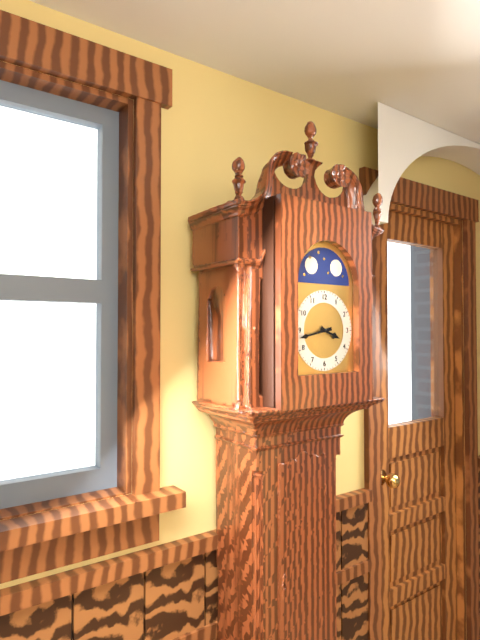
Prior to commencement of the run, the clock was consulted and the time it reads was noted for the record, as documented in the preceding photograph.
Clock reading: 3:43
